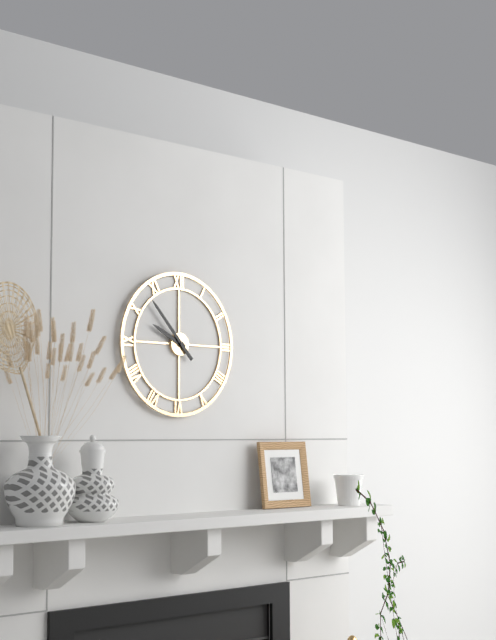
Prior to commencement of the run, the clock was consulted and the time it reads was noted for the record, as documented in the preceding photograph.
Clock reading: 9:53
